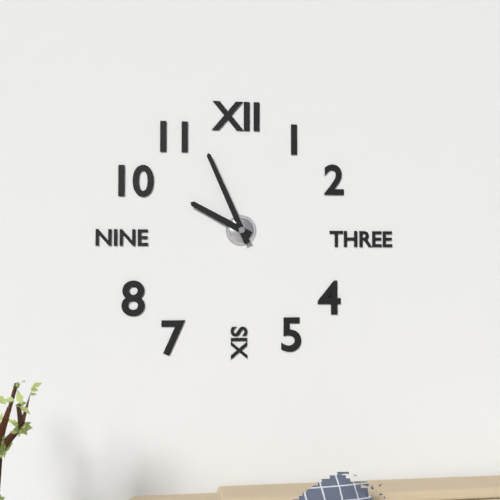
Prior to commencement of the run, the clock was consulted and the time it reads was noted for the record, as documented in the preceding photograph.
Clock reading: 9:56
